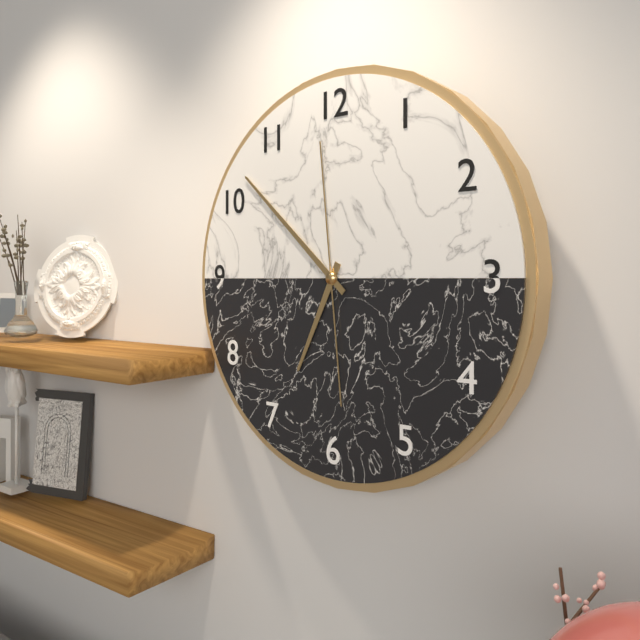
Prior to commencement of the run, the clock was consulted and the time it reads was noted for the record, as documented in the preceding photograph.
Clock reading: 6:52:59
